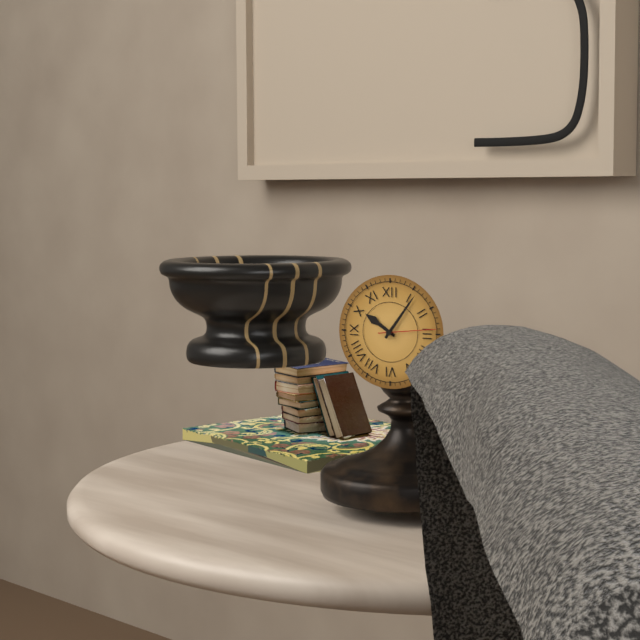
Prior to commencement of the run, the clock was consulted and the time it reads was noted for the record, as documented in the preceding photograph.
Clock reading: 10:06:14
